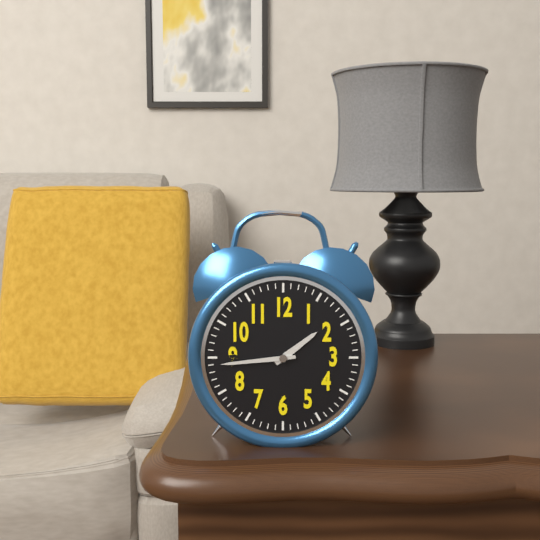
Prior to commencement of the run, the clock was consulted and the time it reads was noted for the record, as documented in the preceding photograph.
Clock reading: 1:44
